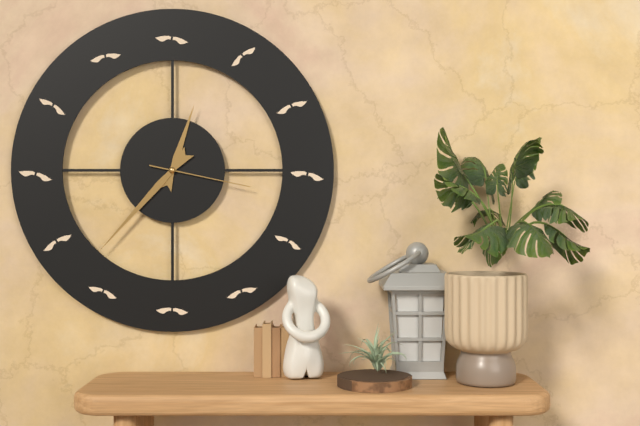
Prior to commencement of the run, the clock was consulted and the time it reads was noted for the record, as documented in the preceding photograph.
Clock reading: 12:37:17
